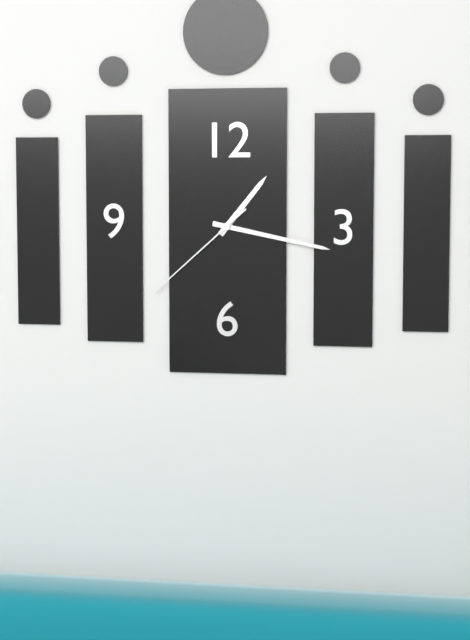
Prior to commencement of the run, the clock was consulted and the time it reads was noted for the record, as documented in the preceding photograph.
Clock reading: 1:17:38
